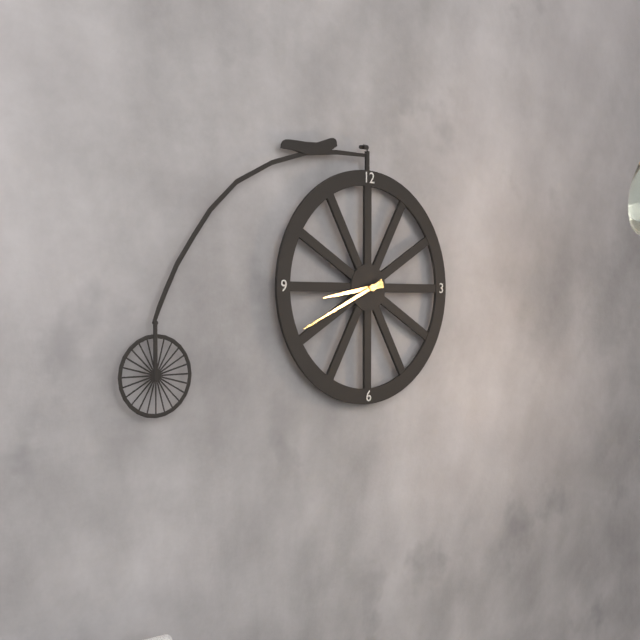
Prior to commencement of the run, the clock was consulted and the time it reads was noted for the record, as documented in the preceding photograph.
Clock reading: 8:41
